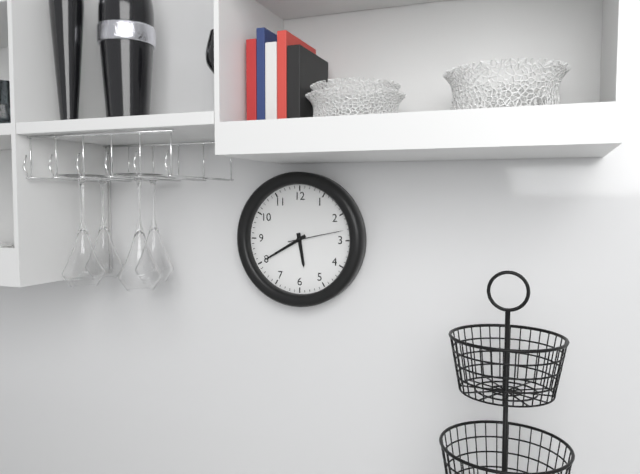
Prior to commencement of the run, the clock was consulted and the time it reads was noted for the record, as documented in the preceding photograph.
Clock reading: 5:40:13
